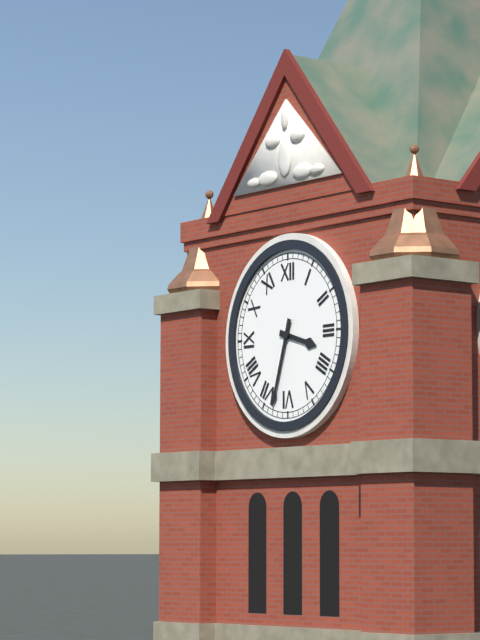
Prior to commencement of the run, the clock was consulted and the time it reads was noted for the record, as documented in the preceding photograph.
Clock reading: 3:33
